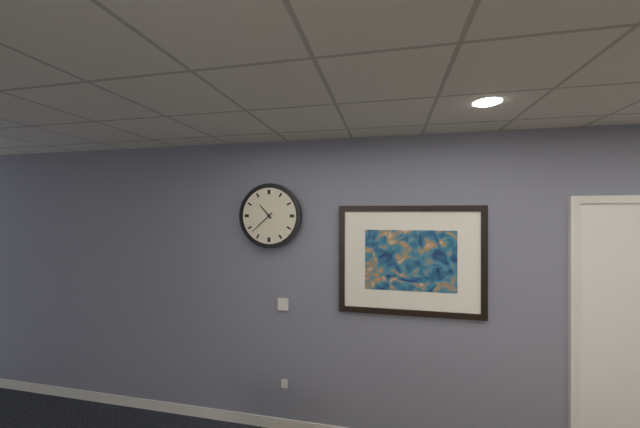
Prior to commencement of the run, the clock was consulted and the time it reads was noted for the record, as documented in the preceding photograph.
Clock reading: 10:38
